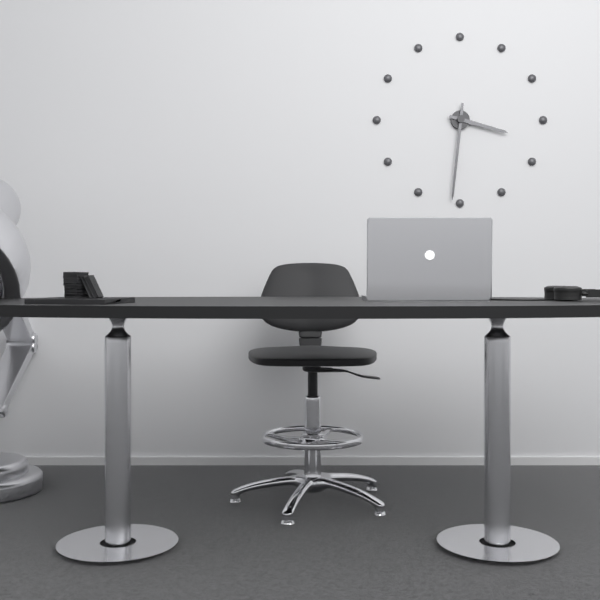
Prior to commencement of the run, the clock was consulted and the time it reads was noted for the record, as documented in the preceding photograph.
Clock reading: 3:31
